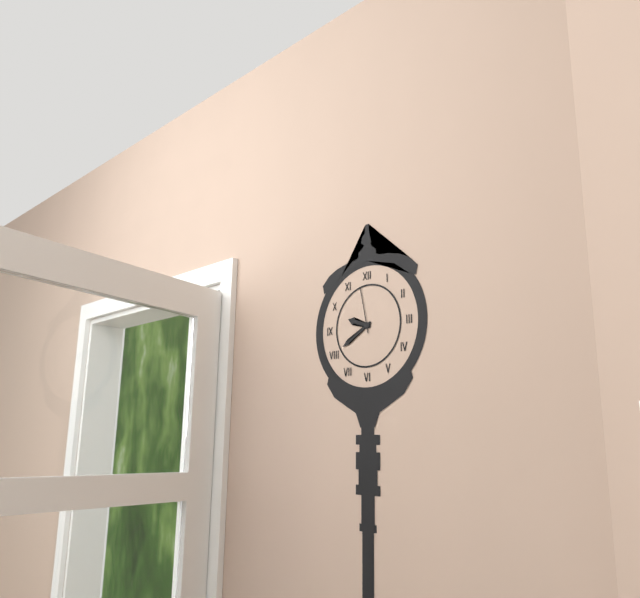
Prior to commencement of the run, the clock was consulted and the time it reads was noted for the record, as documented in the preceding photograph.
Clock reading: 9:40
